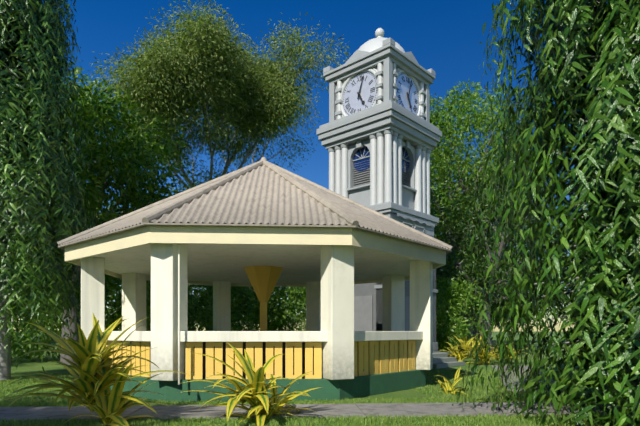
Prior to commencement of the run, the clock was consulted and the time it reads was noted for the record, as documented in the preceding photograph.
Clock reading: 5:03
